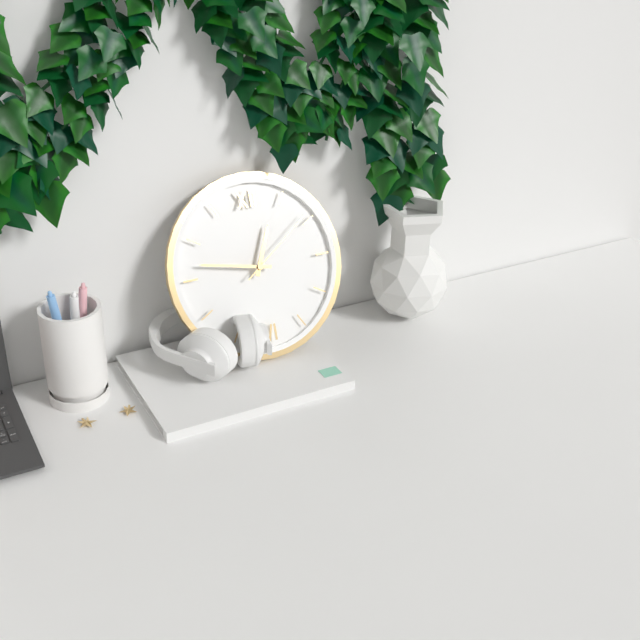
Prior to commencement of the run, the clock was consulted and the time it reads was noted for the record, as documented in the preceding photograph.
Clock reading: 12:47:09
